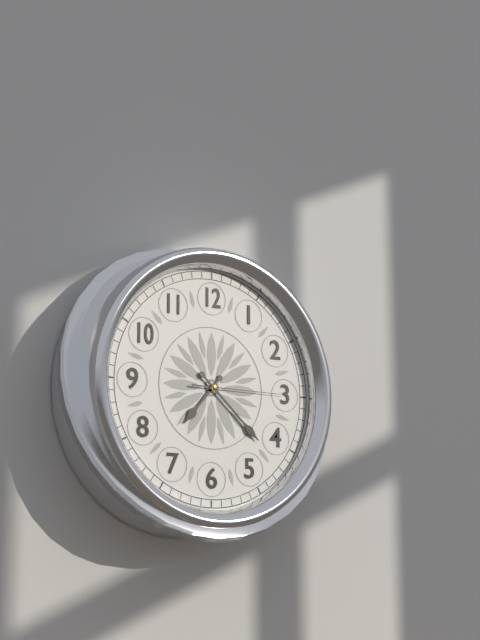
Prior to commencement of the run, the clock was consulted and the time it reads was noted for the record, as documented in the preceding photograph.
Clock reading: 7:22:15
